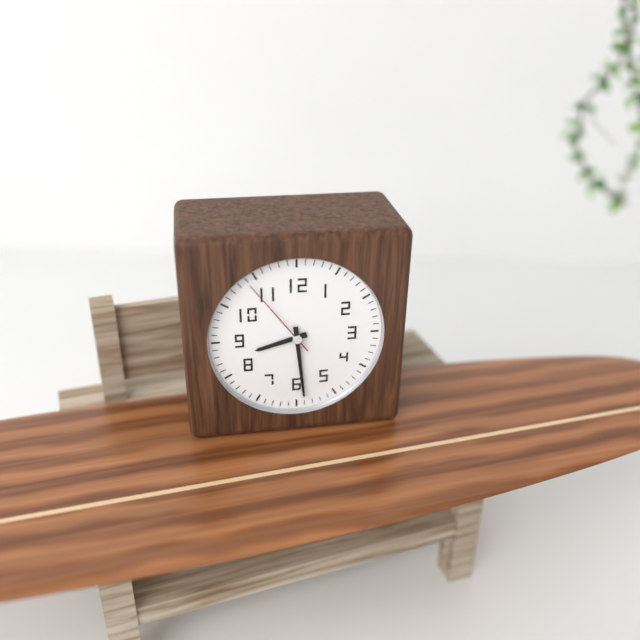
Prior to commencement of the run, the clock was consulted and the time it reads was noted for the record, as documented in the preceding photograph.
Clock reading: 8:29:54
